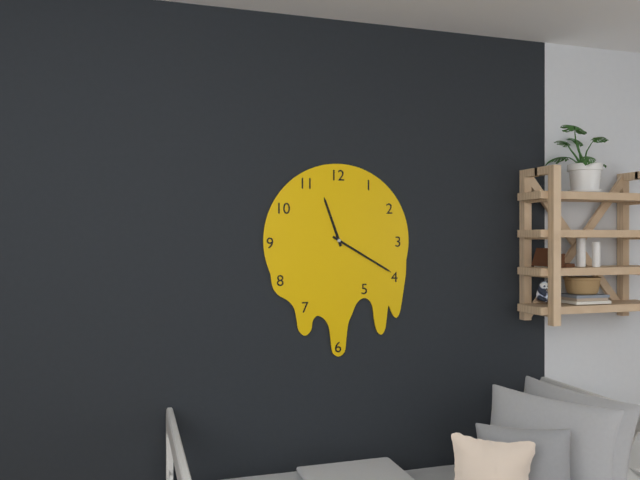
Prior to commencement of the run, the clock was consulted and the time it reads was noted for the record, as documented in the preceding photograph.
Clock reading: 11:20
